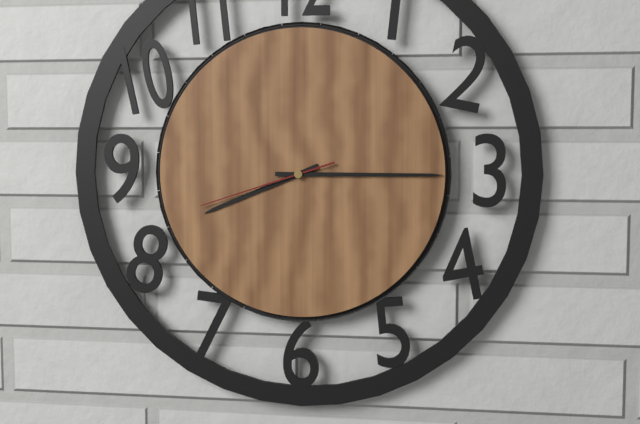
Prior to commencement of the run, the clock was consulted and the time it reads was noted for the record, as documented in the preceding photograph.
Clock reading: 8:15:42
